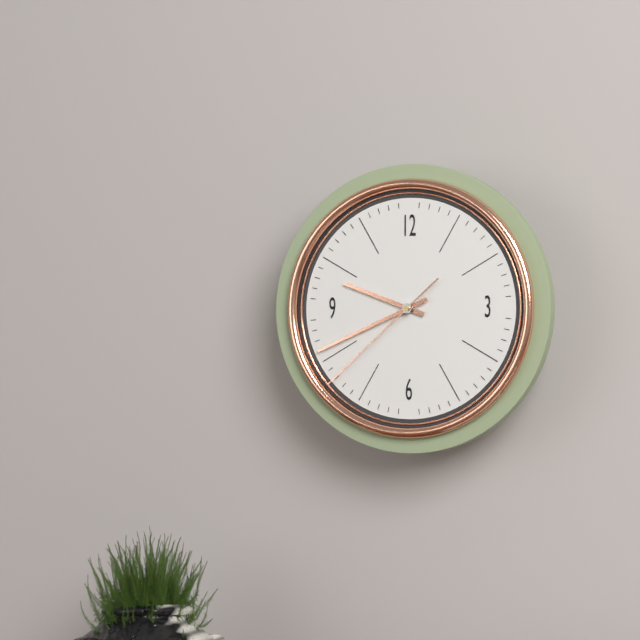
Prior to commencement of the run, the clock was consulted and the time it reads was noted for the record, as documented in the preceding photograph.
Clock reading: 9:41:38
